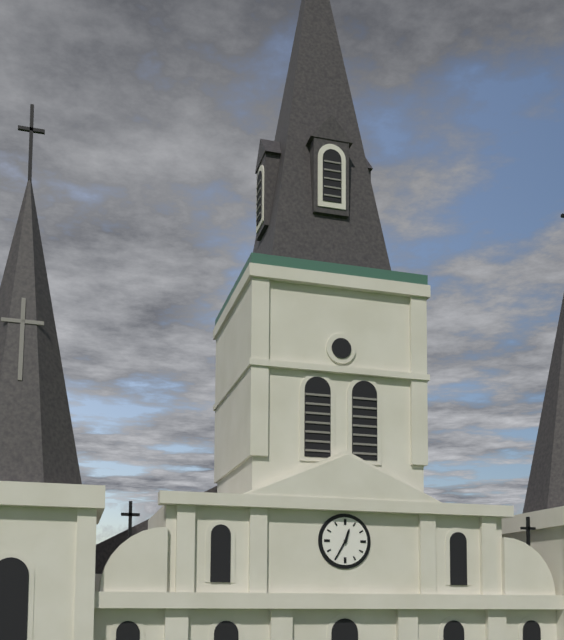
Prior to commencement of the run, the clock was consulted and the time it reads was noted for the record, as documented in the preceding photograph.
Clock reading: 12:35
